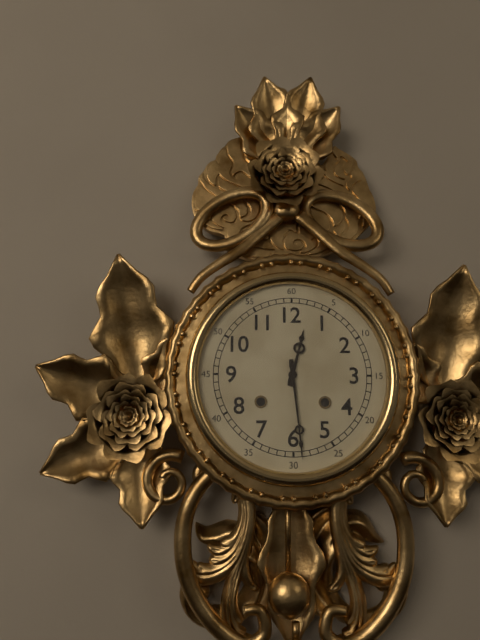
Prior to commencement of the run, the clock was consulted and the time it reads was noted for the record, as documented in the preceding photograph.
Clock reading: 12:29
